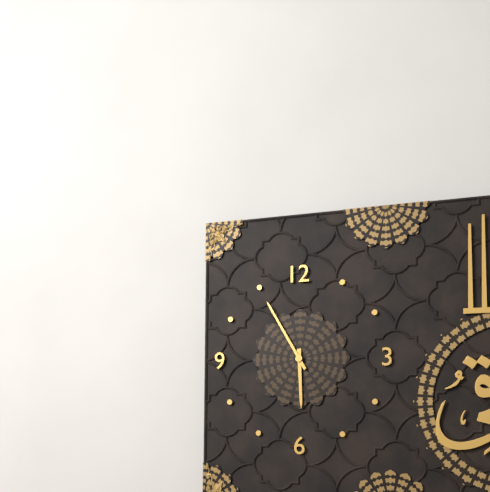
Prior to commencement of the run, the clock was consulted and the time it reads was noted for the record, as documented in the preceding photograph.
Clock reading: 5:55
